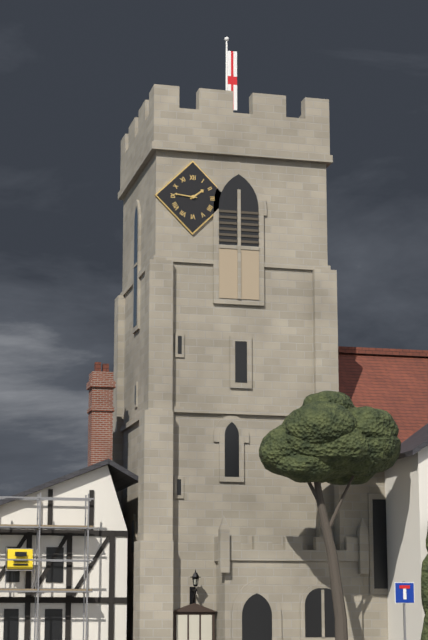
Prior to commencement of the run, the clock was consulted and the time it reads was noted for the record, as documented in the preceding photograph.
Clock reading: 1:46
